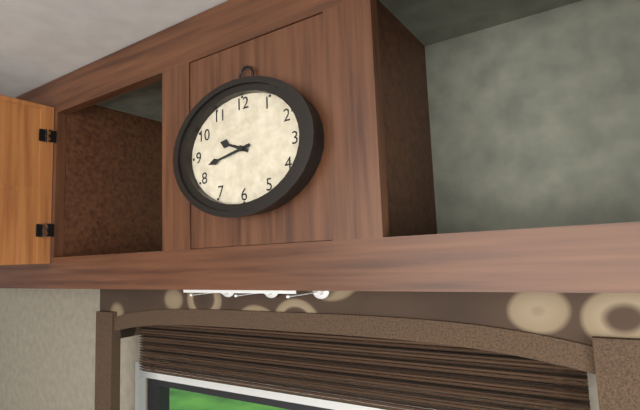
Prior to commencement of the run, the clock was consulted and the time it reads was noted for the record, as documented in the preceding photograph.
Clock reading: 9:43
